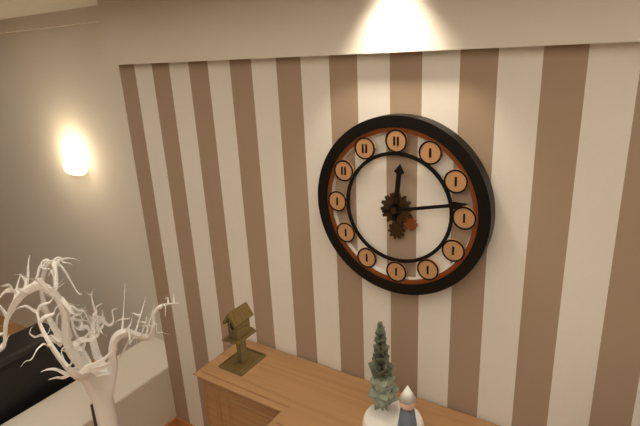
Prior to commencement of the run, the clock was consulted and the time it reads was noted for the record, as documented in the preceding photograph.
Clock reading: 12:13
